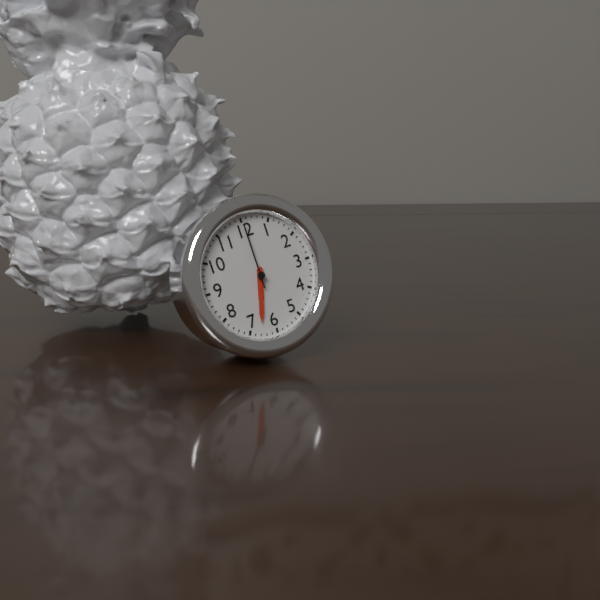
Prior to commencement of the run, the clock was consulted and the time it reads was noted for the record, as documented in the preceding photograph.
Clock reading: 6:33:00
